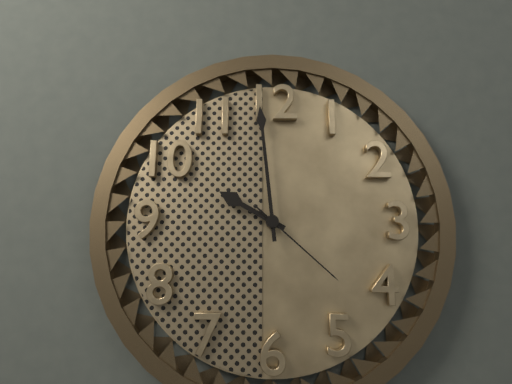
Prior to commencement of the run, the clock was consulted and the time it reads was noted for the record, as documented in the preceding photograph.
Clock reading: 9:59:22
